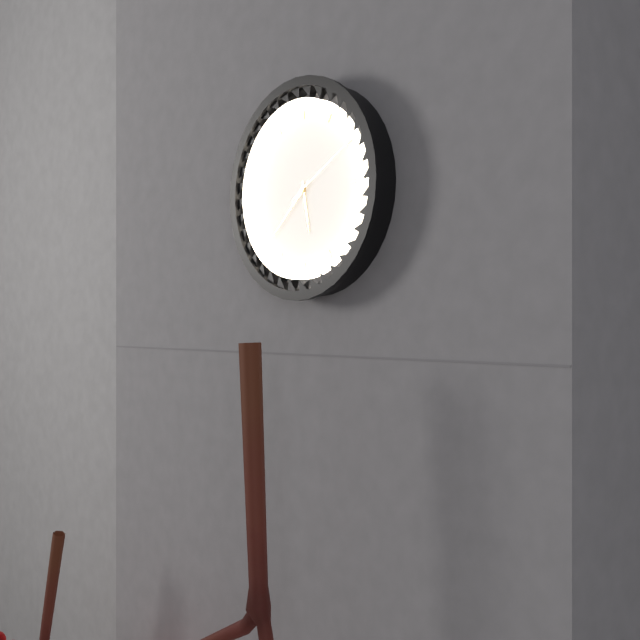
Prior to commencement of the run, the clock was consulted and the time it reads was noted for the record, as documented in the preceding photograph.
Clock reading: 5:38:10
